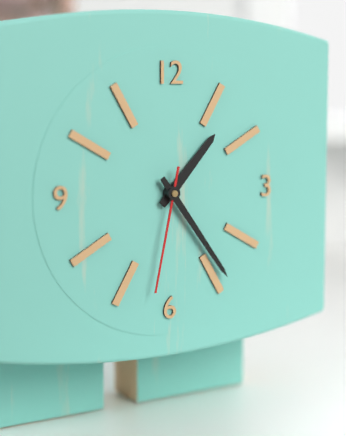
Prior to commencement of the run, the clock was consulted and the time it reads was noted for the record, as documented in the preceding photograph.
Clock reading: 1:24:32
